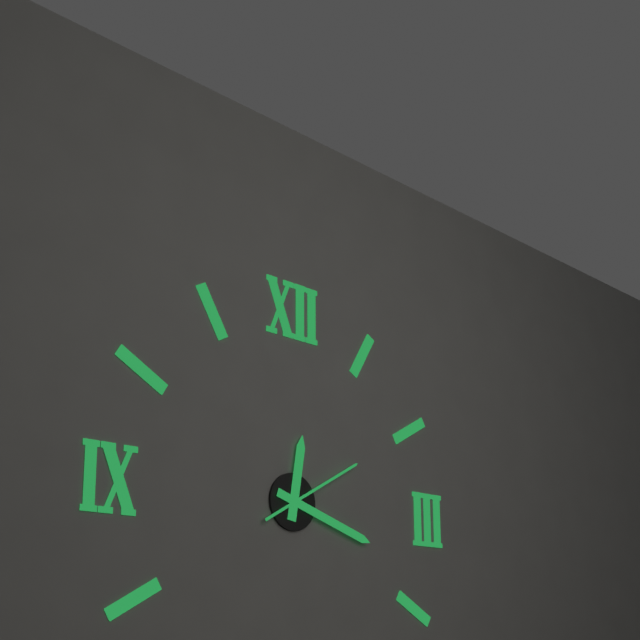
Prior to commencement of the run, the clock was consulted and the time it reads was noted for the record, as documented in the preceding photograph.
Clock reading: 12:18:10
